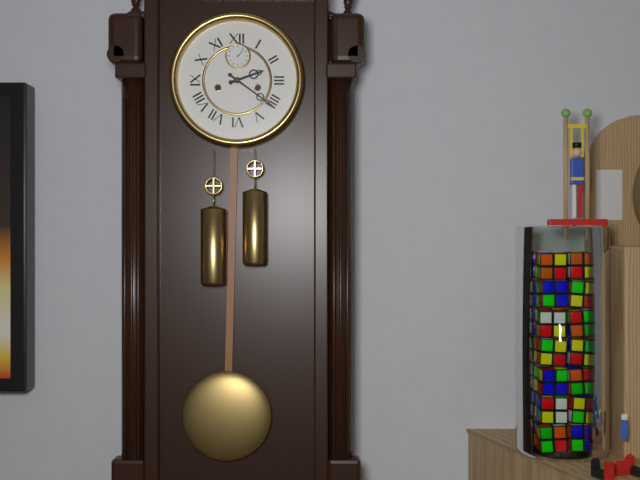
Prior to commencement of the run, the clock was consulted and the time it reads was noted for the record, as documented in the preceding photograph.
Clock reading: 2:21
